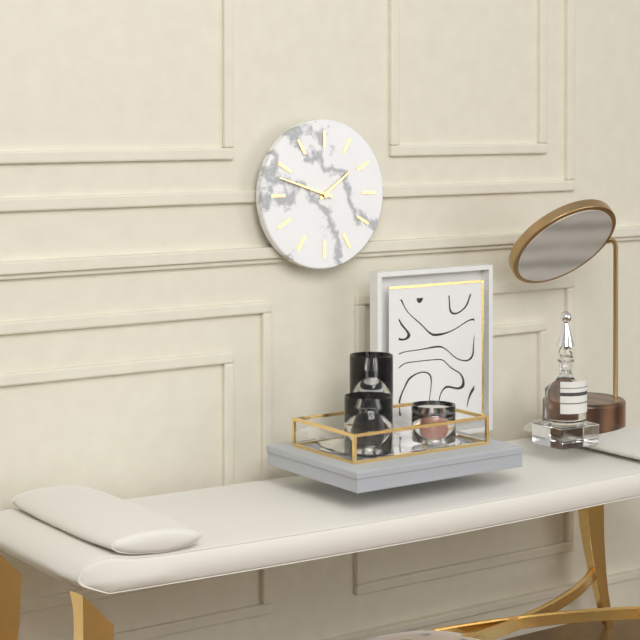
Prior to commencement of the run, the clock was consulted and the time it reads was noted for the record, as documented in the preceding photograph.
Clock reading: 1:48
